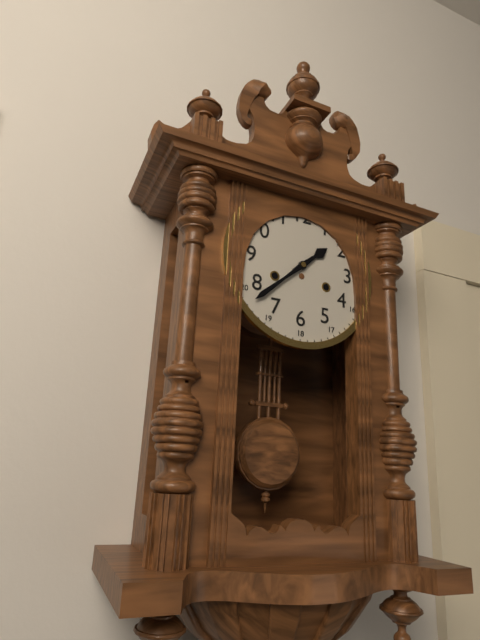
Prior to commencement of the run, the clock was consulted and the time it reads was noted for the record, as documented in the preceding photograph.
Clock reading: 1:38
